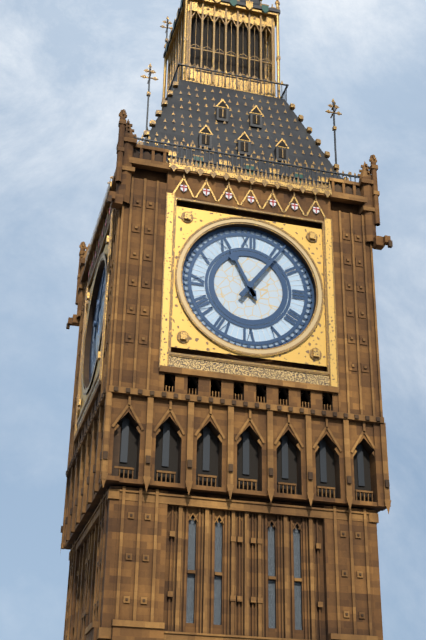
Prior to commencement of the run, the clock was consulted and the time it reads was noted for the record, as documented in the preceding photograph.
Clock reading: 11:06
